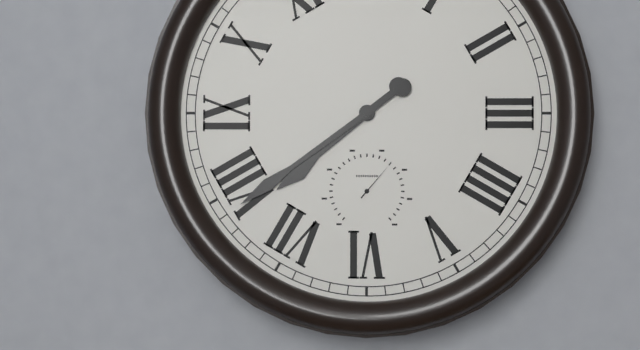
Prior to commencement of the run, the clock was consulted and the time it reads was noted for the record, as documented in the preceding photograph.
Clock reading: 7:39
